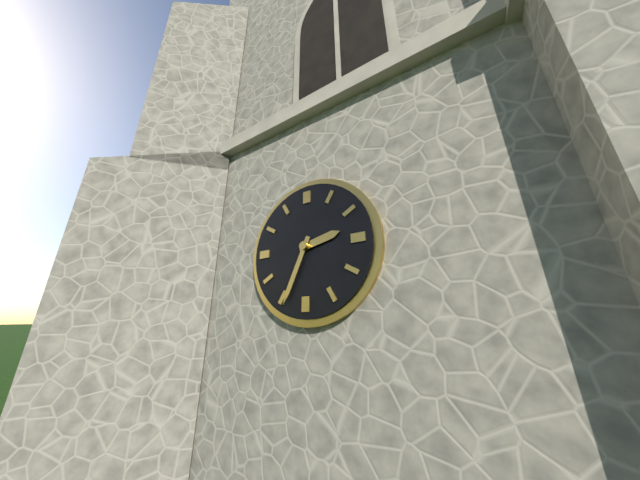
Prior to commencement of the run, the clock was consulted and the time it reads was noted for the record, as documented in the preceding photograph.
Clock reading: 2:34
